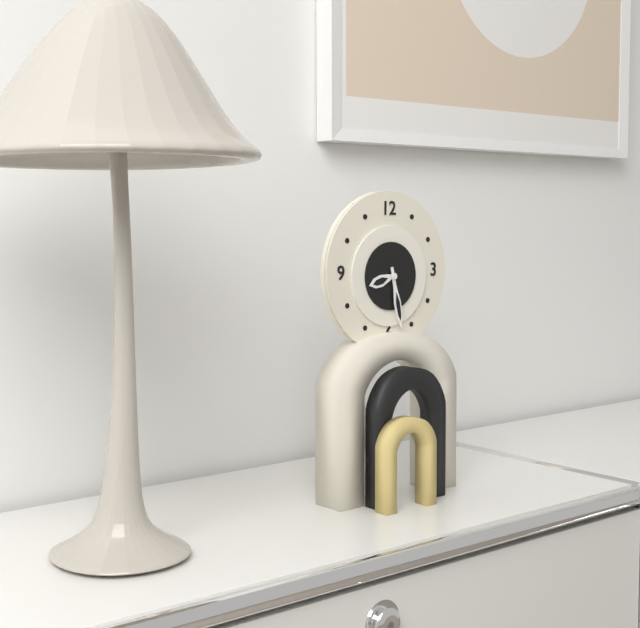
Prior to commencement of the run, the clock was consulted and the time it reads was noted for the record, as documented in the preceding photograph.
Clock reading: 8:28
